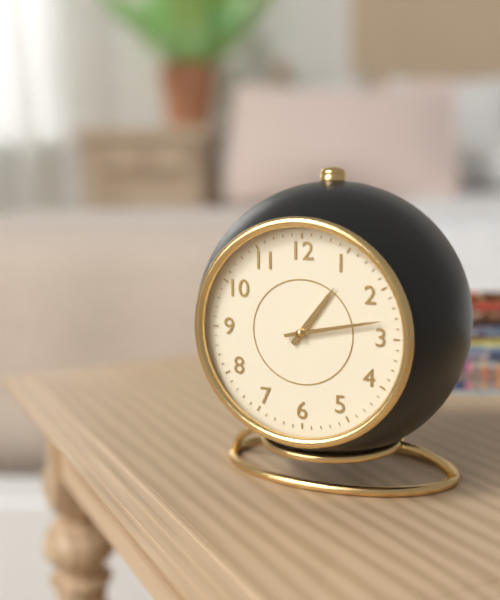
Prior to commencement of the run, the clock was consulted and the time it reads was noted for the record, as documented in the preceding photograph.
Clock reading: 1:13
